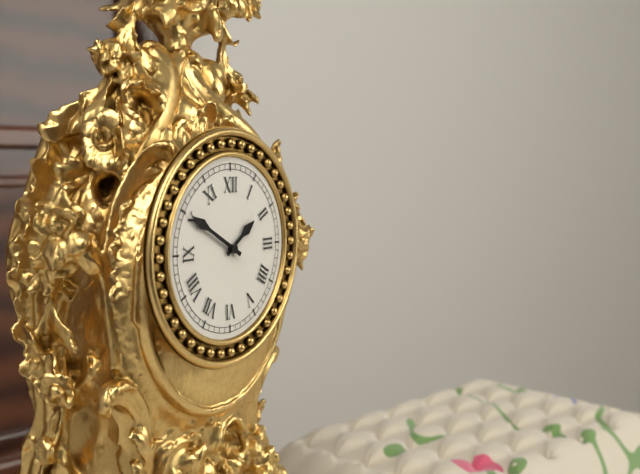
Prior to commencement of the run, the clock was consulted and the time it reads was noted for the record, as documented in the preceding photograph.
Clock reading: 1:50
